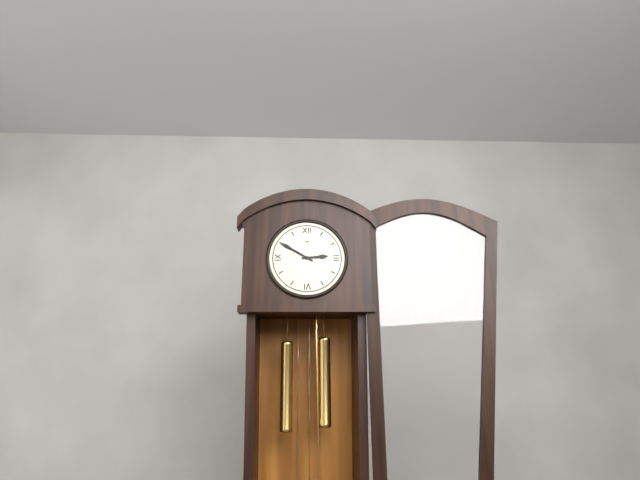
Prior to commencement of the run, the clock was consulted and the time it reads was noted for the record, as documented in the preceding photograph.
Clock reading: 2:50
